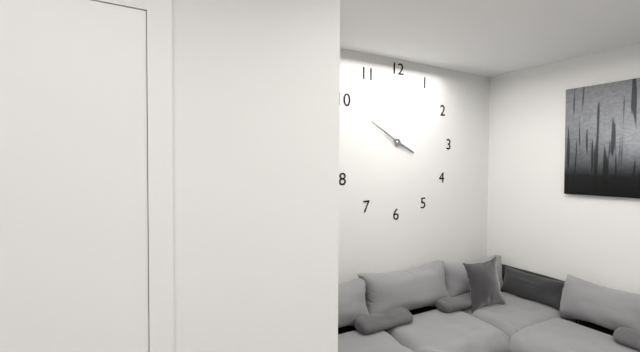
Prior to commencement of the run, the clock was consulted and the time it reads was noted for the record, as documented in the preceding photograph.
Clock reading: 3:50
